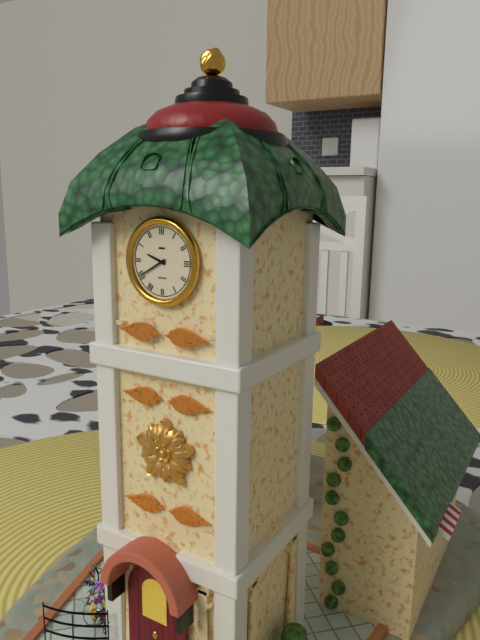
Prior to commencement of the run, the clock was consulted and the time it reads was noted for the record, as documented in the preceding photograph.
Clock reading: 9:40
